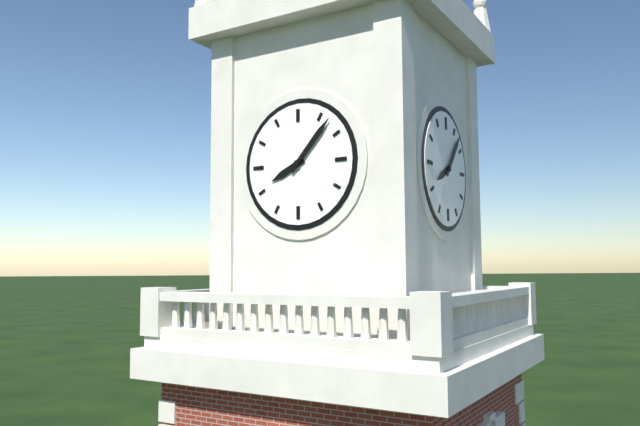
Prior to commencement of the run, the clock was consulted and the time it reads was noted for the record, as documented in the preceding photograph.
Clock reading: 8:07
